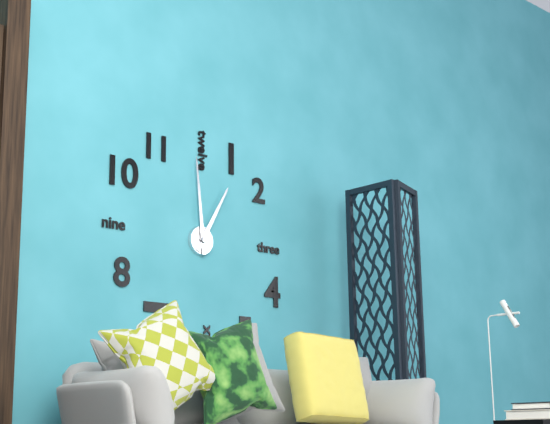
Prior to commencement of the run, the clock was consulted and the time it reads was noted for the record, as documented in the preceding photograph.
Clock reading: 12:59
